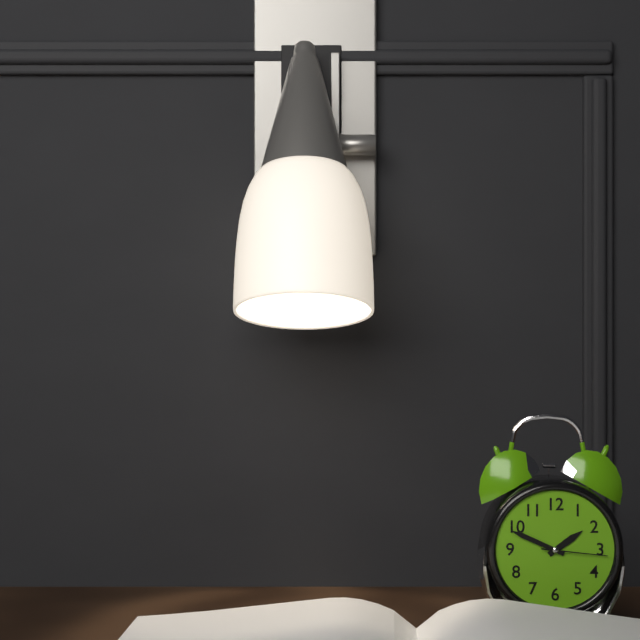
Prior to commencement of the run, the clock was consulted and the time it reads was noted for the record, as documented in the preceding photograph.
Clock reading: 1:49:16
